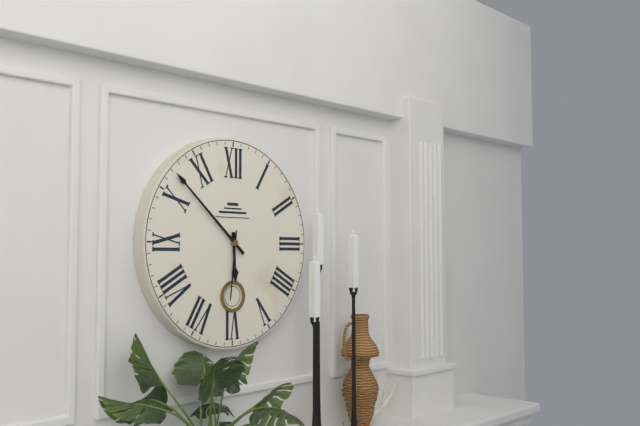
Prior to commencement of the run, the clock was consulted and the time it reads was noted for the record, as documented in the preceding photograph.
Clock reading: 5:52:31
